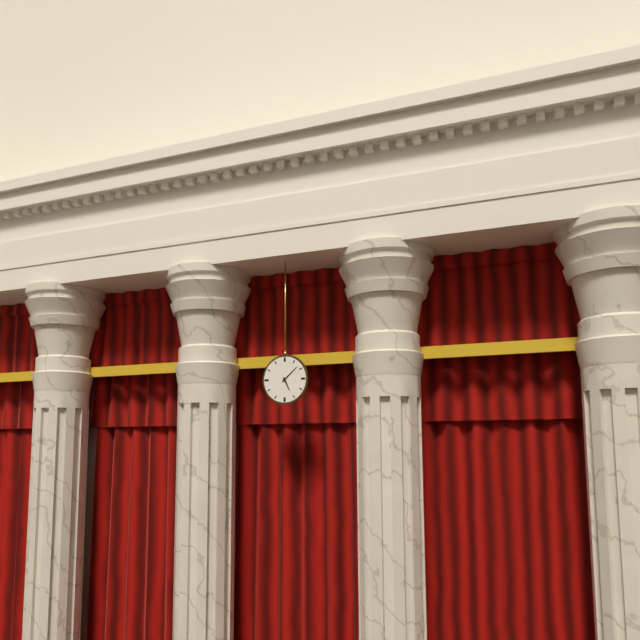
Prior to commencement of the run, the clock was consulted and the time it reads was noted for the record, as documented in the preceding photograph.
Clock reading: 5:08
